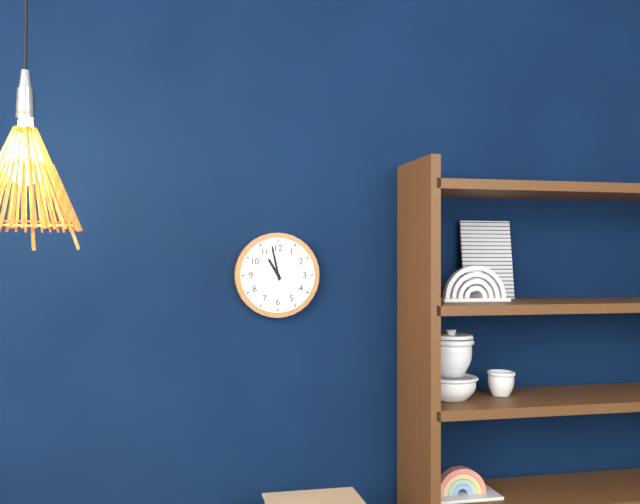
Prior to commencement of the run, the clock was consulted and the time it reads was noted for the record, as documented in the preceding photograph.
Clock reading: 10:58
